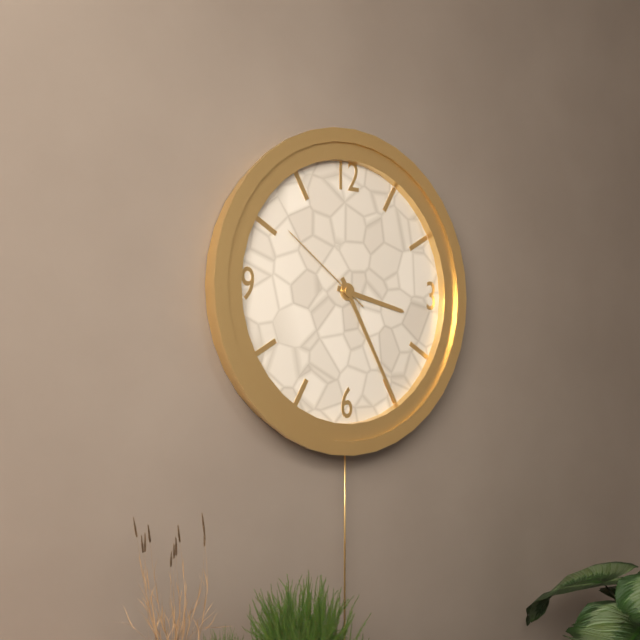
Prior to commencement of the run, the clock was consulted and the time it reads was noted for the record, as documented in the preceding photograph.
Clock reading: 3:25:51
